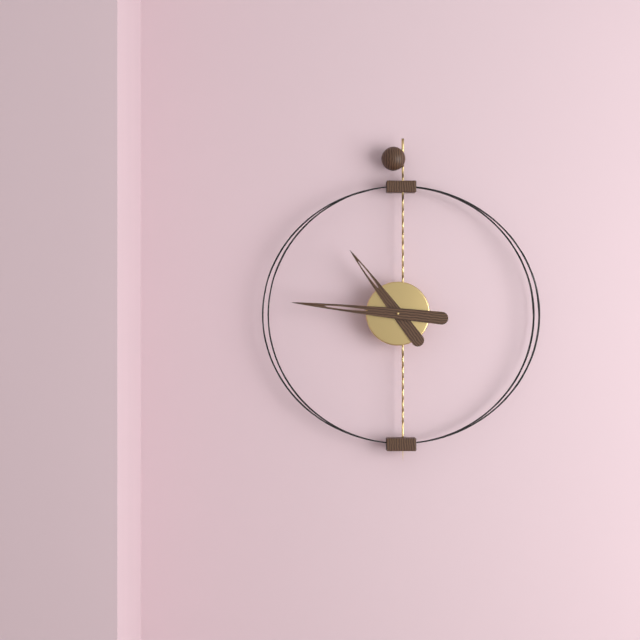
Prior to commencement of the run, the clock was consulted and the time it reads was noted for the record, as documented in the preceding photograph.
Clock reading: 10:46
